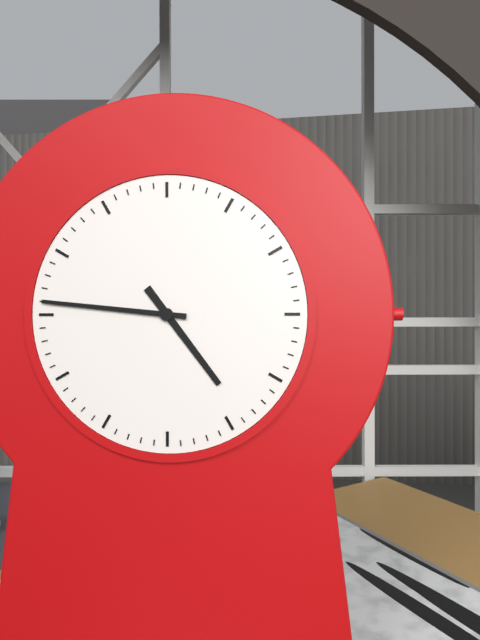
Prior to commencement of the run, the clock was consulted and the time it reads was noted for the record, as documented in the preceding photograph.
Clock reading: 4:46
